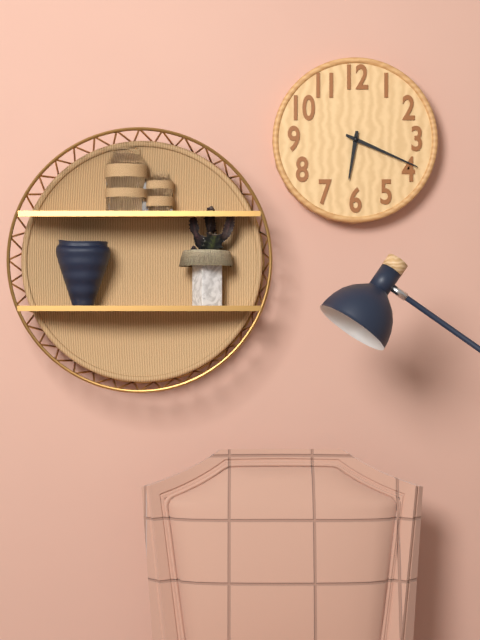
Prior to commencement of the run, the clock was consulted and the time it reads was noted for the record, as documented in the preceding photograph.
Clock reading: 6:19
